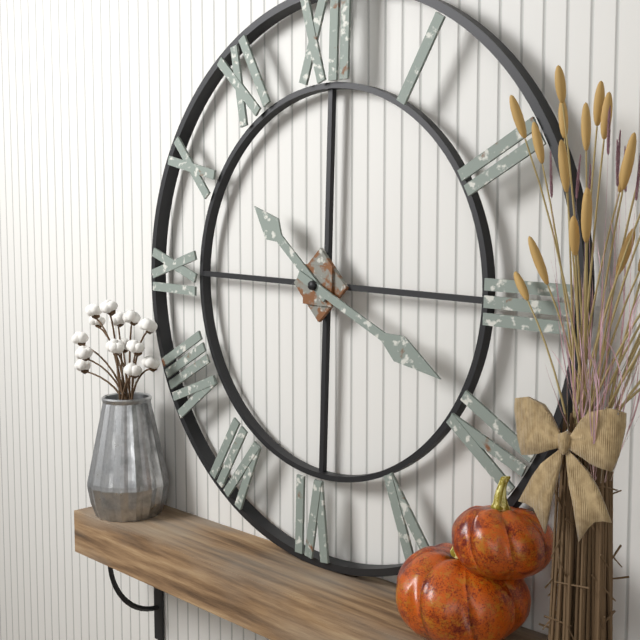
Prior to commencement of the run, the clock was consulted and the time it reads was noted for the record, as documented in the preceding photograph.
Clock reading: 10:19
